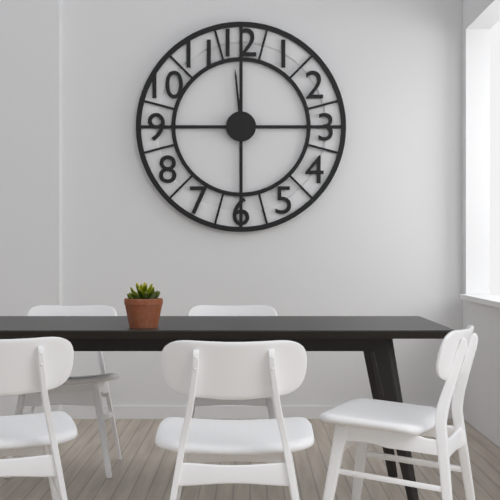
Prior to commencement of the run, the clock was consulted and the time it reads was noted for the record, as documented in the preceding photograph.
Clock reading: 8:59
